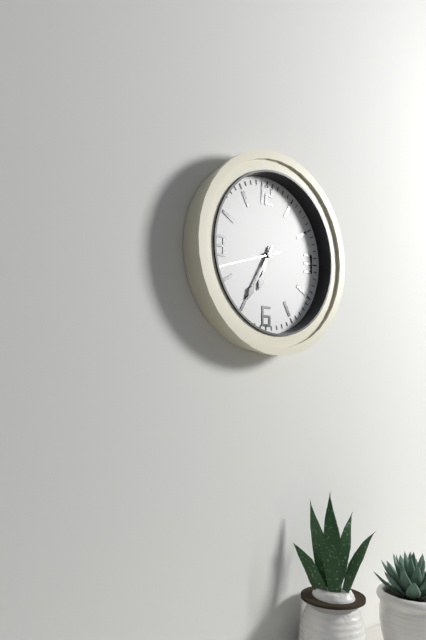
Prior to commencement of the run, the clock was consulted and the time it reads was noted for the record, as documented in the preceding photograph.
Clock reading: 6:35:42
